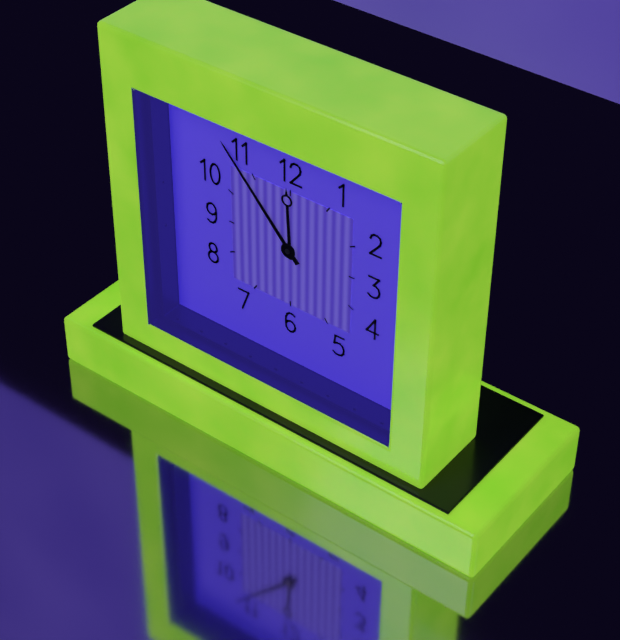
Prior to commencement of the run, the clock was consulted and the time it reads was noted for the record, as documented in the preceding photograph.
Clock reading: 11:53
